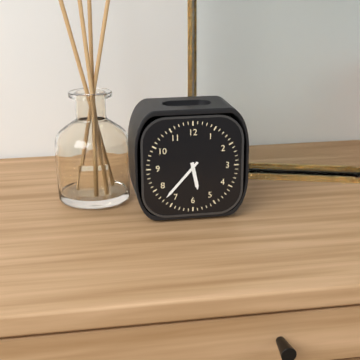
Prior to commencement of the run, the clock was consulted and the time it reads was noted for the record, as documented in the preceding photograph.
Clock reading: 5:37
